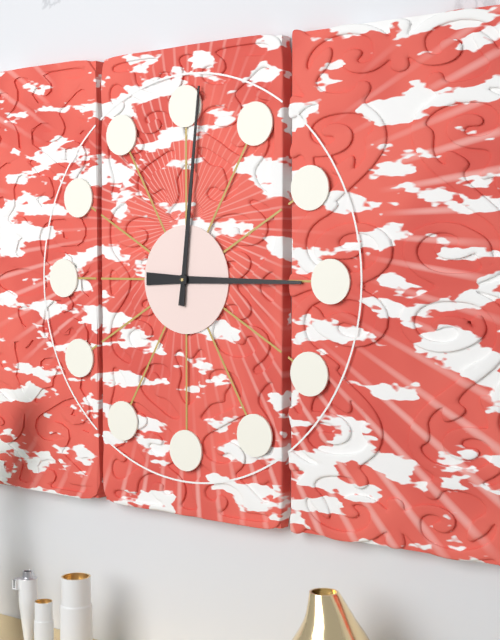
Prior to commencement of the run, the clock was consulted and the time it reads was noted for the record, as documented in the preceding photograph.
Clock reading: 3:01
